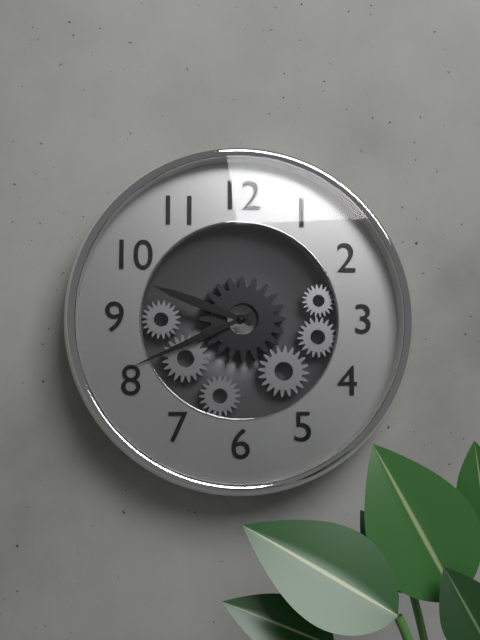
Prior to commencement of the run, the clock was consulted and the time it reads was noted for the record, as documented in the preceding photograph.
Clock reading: 9:41
